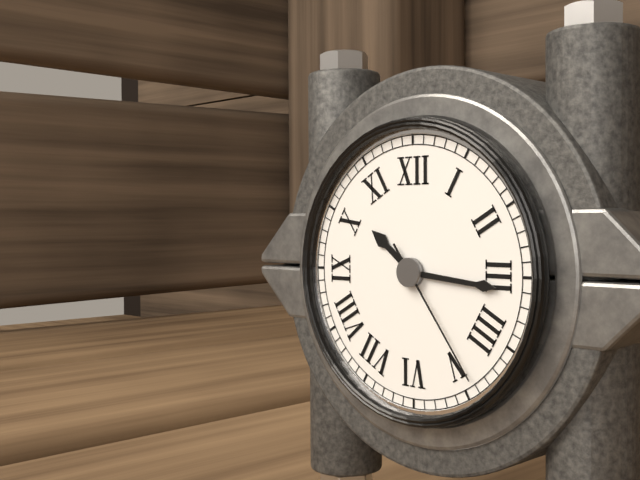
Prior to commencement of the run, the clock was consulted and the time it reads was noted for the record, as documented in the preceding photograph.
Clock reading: 10:16:24
